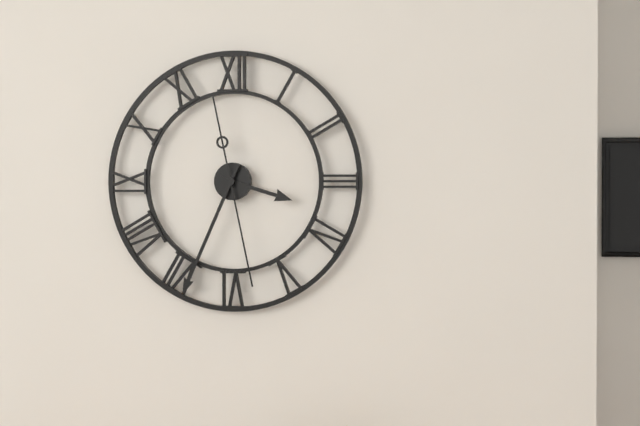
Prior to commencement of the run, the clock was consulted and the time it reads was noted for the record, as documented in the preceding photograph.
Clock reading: 3:34:28
